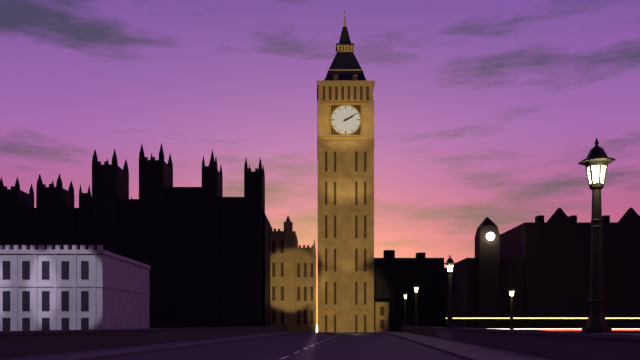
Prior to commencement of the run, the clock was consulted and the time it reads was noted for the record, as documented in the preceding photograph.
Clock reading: 2:10
